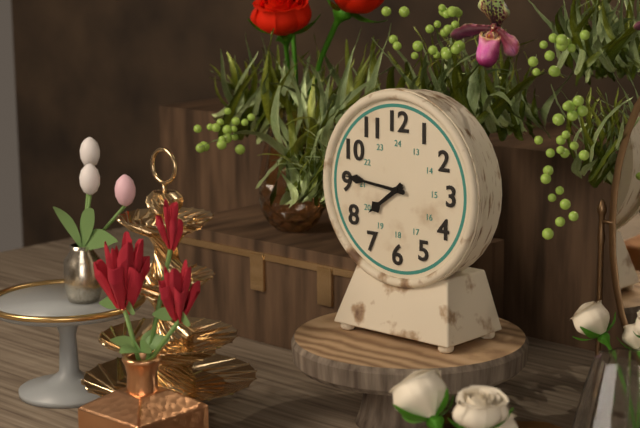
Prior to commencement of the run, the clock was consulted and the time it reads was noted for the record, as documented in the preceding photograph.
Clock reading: 7:46
